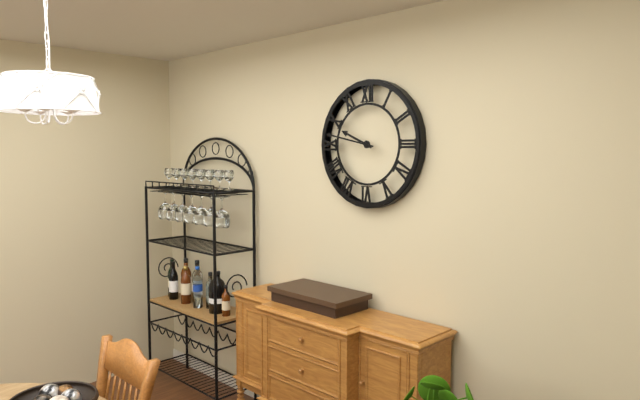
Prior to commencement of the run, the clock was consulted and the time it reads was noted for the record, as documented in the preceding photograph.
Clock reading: 9:47
